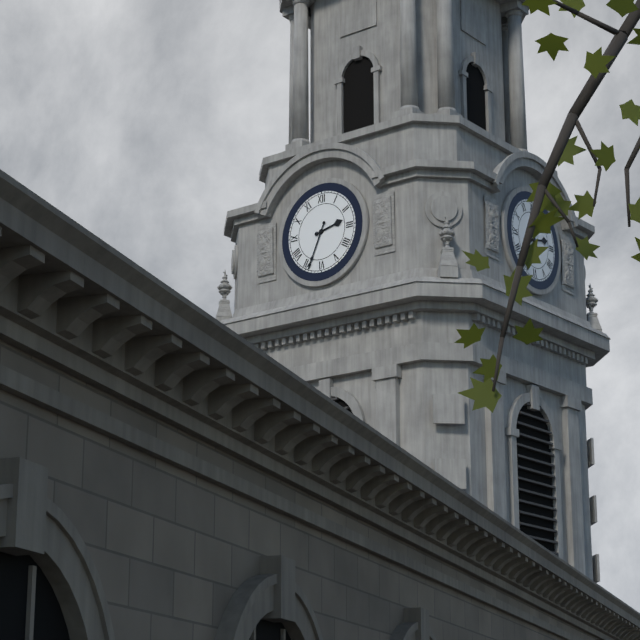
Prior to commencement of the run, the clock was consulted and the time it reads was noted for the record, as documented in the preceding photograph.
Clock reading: 2:34
